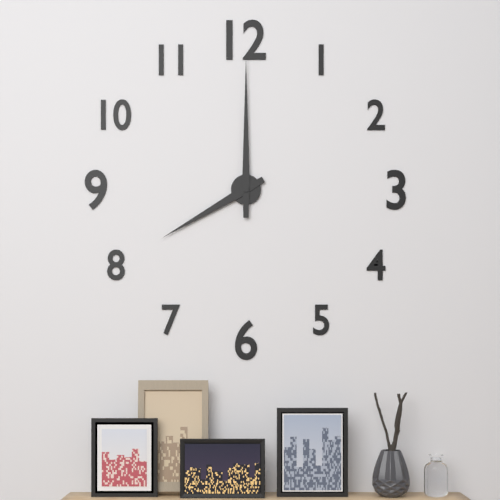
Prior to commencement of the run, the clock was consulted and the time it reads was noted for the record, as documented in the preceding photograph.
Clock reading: 8:00
